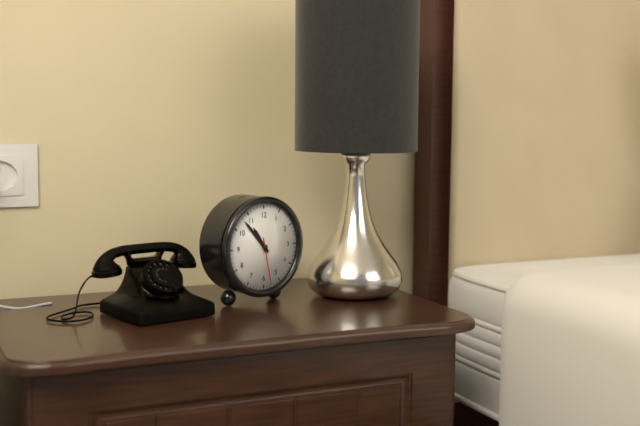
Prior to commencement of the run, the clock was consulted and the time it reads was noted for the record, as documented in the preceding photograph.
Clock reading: 10:53
